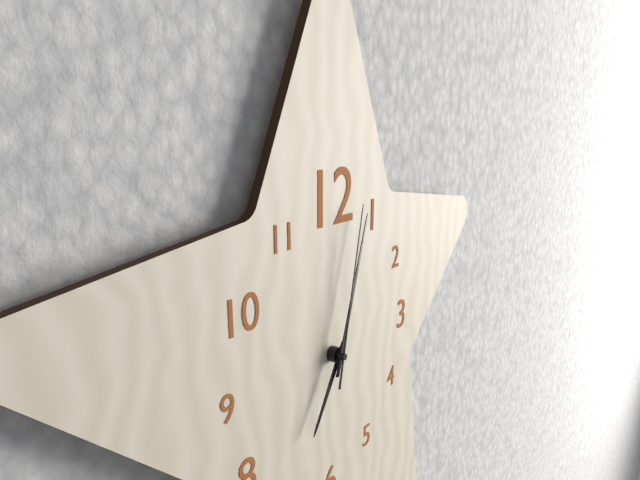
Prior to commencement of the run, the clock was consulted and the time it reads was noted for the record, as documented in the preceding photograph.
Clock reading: 7:03:02
